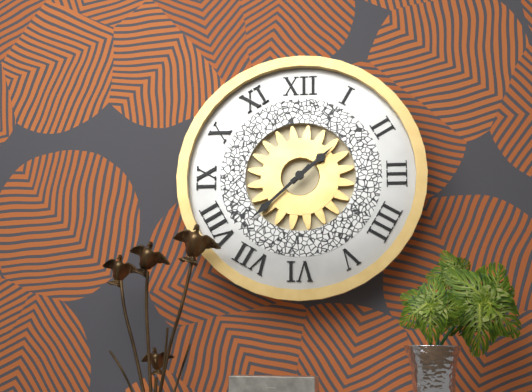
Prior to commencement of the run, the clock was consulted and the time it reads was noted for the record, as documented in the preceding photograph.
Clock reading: 1:38
